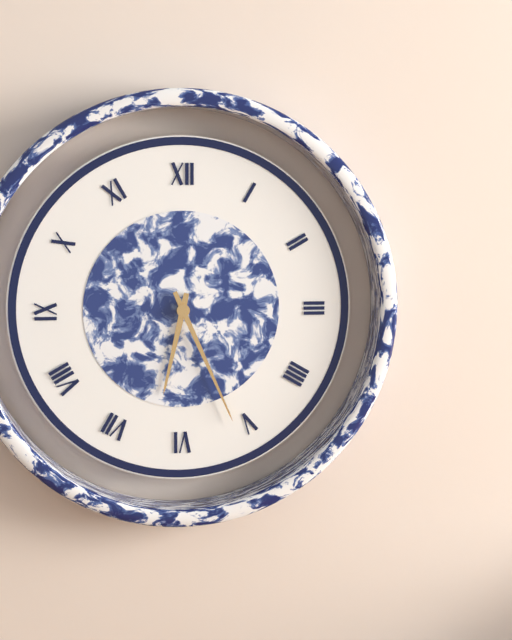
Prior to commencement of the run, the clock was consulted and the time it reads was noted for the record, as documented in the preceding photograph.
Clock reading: 6:26
